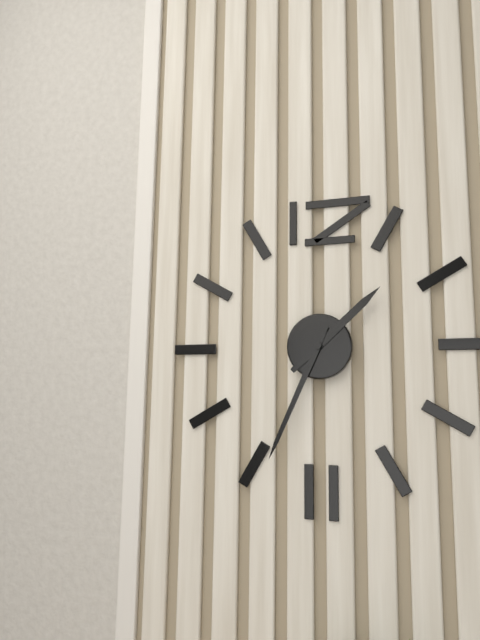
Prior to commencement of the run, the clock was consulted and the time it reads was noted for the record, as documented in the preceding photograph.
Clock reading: 1:34
